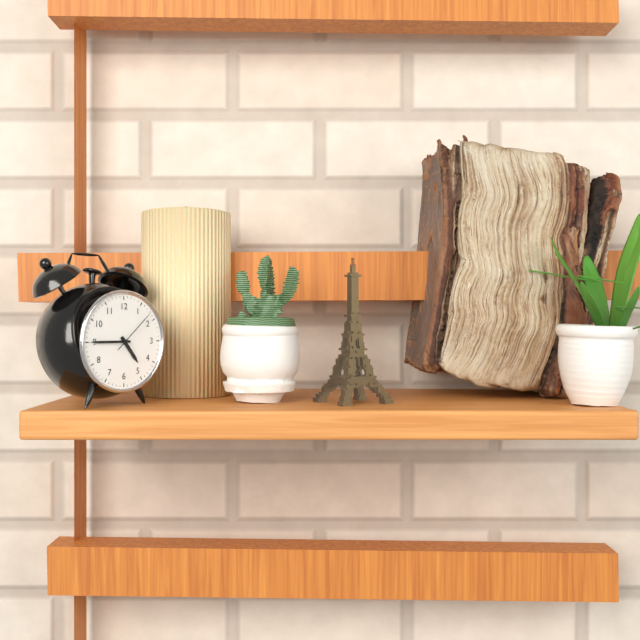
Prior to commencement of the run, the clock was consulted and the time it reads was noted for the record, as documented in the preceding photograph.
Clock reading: 4:45
